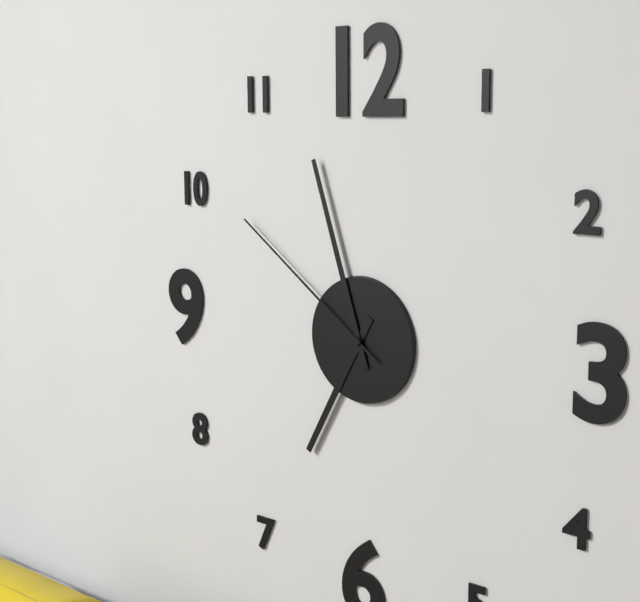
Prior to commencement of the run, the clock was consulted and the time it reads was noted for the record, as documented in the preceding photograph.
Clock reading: 6:57:51
